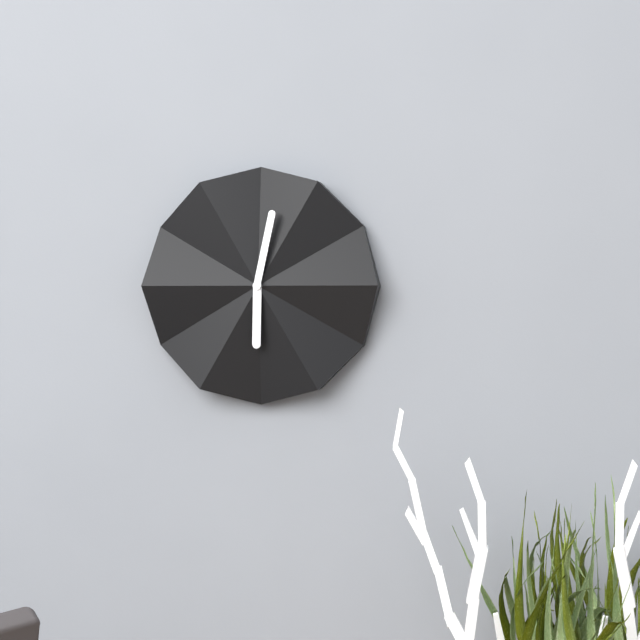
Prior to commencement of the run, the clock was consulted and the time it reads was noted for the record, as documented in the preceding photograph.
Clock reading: 6:02
